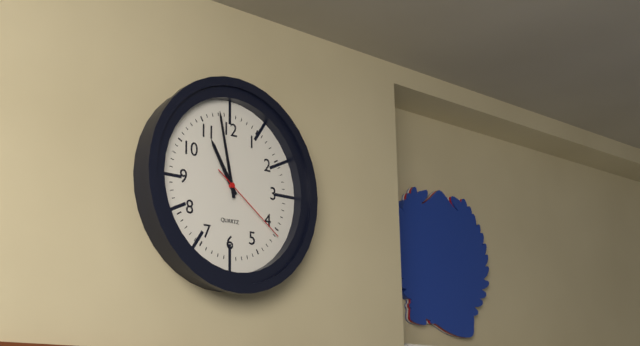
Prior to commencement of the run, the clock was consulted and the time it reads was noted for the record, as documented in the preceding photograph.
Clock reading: 10:58:21
